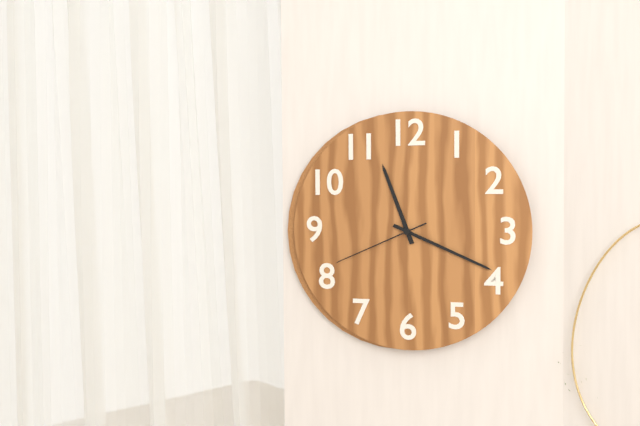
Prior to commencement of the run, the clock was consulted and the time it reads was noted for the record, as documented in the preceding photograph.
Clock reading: 11:19:41
